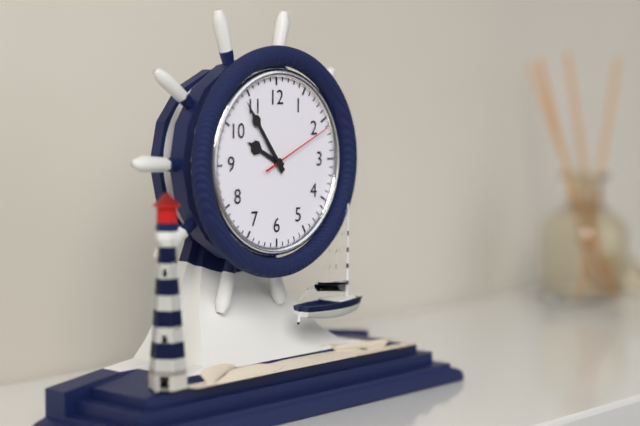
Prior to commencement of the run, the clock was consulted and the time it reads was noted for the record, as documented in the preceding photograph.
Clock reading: 9:54:11
